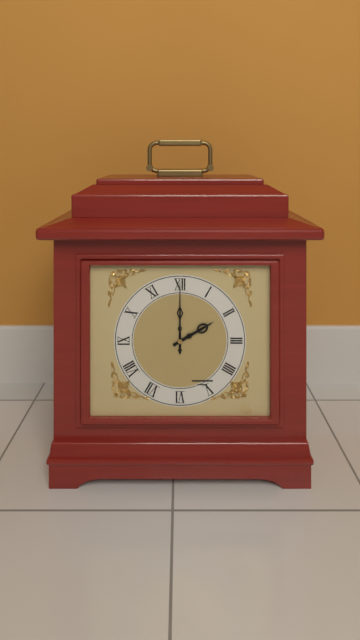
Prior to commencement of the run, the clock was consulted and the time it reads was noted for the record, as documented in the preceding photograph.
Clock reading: 2:00
